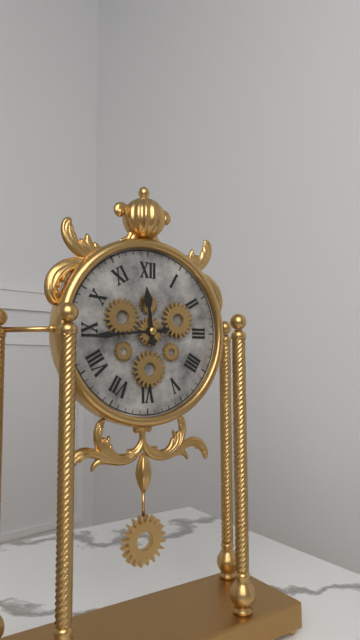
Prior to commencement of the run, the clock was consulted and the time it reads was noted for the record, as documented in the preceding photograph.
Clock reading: 11:44
